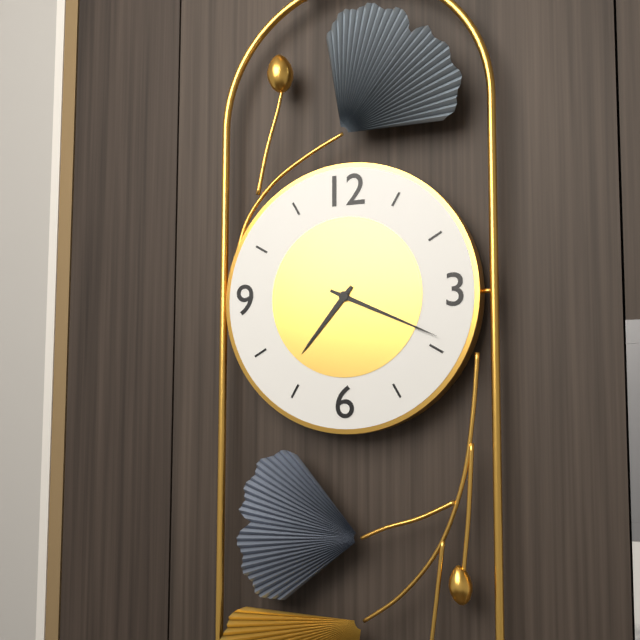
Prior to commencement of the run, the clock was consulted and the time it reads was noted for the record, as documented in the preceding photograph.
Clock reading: 7:19
